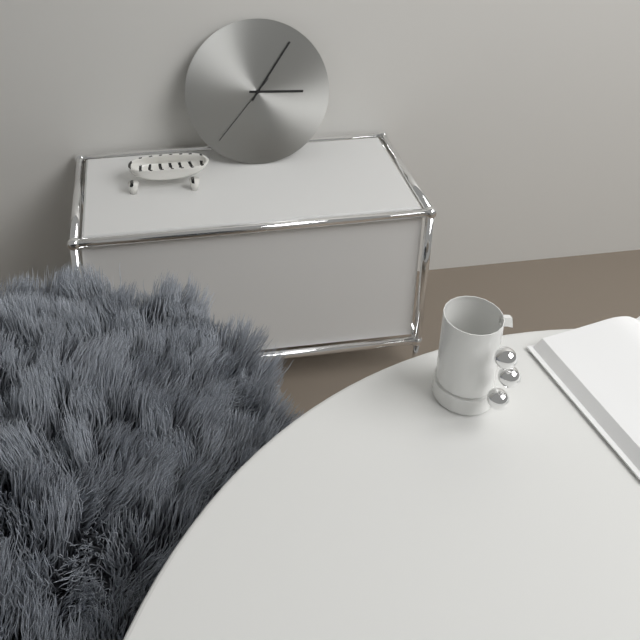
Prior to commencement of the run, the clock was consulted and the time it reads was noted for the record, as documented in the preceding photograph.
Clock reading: 3:06:37
